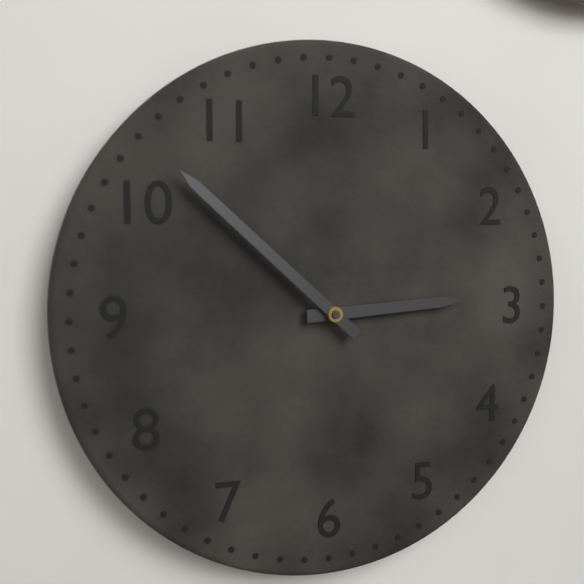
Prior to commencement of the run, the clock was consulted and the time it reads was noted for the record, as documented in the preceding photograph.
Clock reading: 2:52
